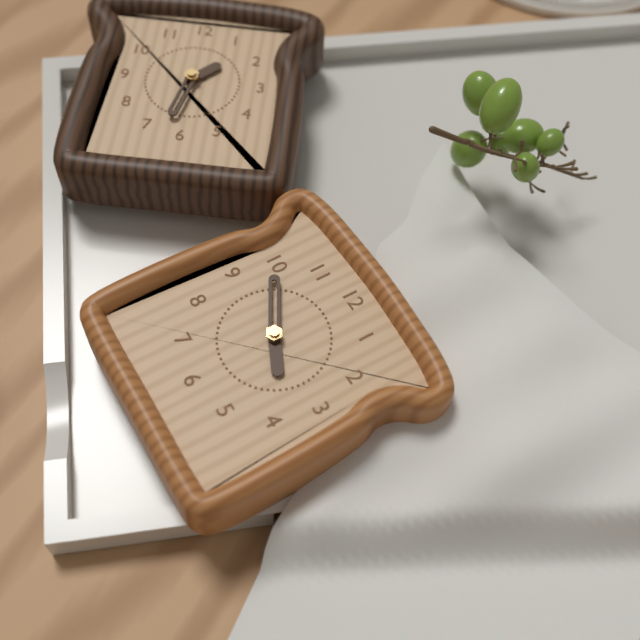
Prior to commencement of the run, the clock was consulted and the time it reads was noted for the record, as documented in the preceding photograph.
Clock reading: 3:50
